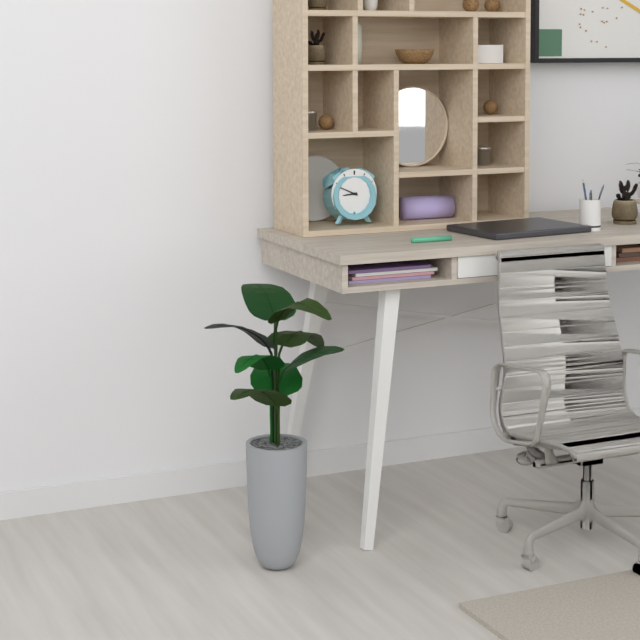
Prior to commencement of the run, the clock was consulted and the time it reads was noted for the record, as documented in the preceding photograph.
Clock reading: 8:49
